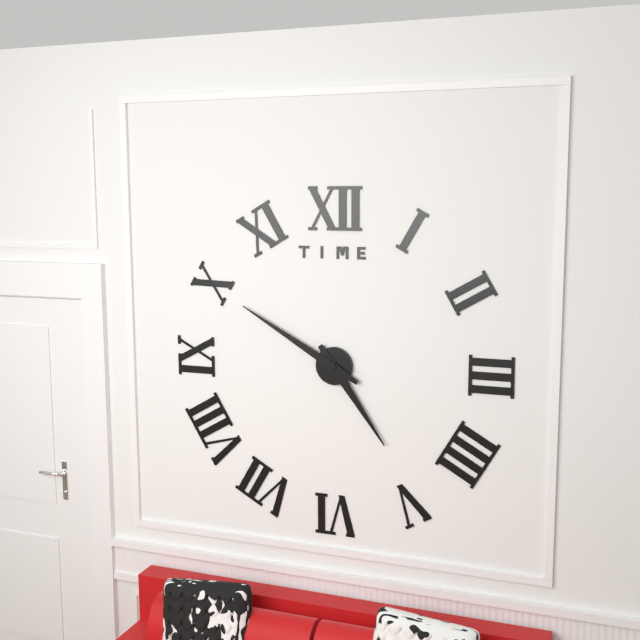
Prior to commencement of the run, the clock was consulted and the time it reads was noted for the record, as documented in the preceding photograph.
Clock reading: 4:50
